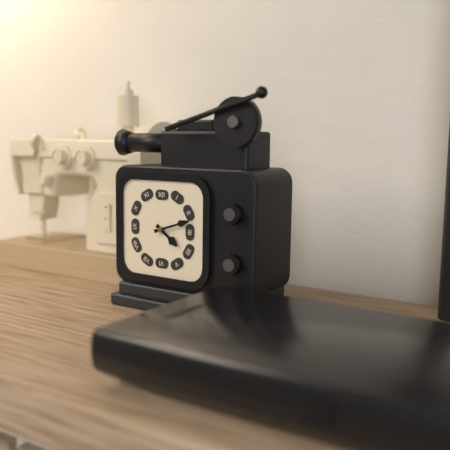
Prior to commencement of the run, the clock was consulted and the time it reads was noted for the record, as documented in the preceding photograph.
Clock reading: 4:12
